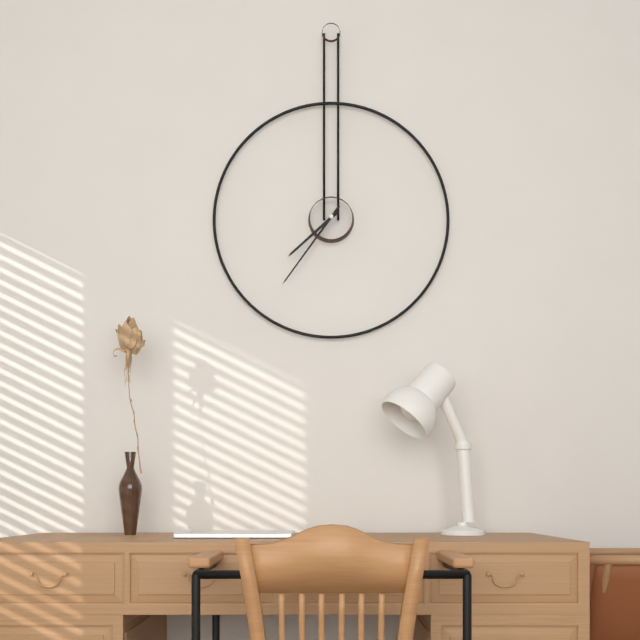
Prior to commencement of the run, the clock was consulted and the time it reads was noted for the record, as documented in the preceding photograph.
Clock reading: 7:36
